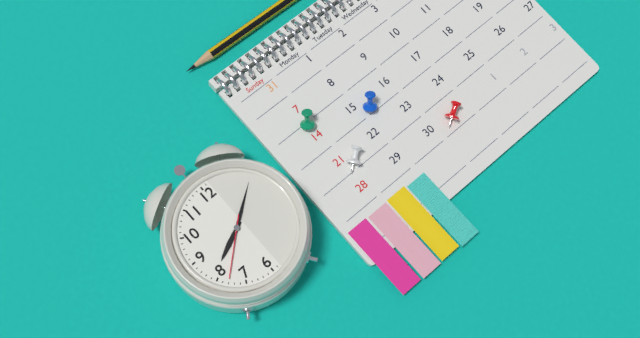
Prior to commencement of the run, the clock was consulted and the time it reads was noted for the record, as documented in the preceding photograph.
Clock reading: 8:09:38
